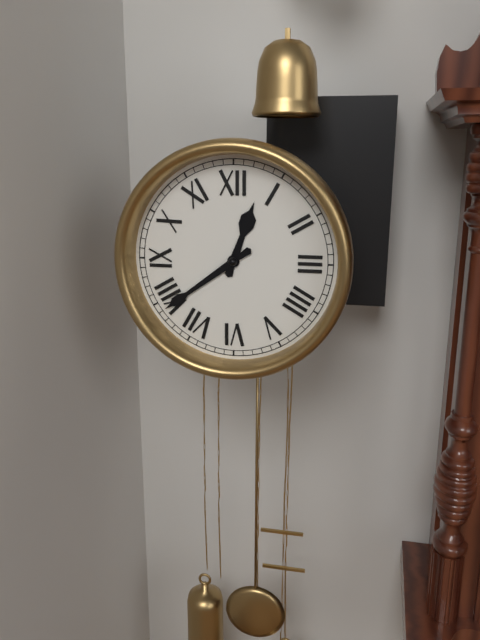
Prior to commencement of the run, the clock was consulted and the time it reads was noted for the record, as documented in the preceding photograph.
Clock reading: 12:39
